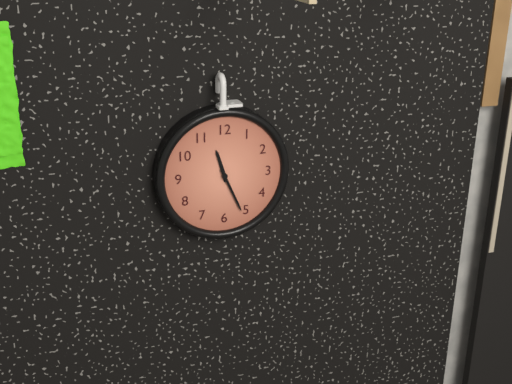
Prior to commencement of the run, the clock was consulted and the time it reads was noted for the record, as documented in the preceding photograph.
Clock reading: 11:26
